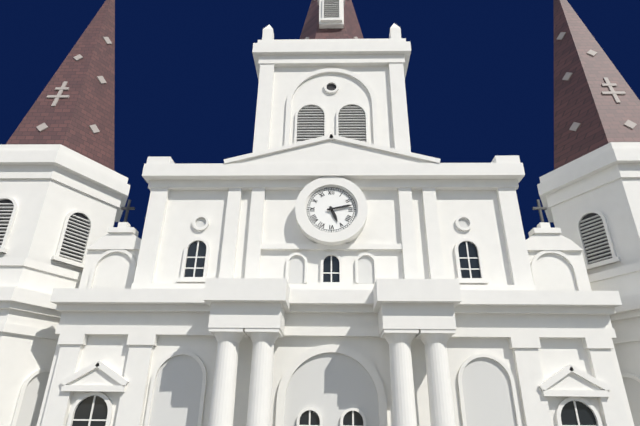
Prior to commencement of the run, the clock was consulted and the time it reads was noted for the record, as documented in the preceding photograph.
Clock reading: 5:13
